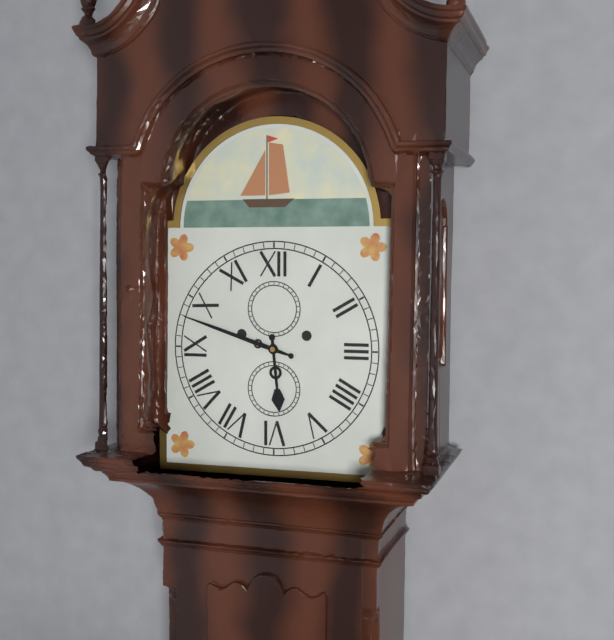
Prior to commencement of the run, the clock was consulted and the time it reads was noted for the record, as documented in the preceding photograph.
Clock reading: 5:48
